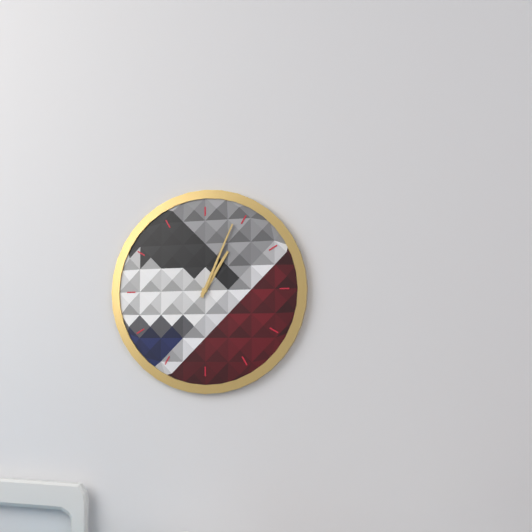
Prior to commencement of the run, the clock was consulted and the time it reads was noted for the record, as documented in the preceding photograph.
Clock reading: 1:04
